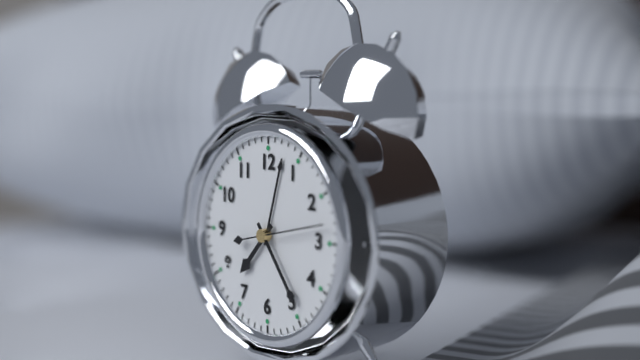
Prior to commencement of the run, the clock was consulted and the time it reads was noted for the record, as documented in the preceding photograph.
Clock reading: 7:24:13
